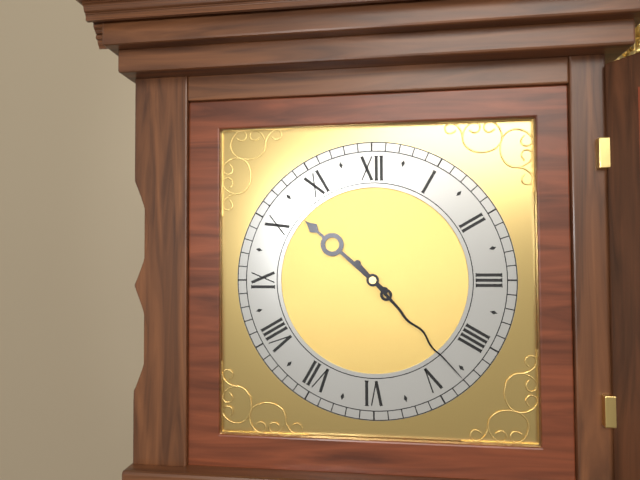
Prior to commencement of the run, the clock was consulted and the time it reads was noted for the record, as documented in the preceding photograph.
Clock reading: 10:23
